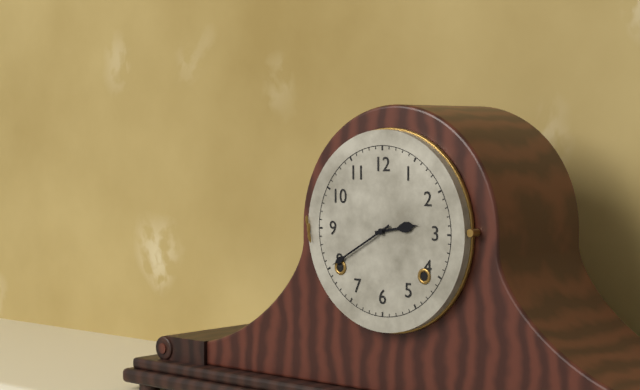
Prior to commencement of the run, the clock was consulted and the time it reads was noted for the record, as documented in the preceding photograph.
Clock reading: 2:40
